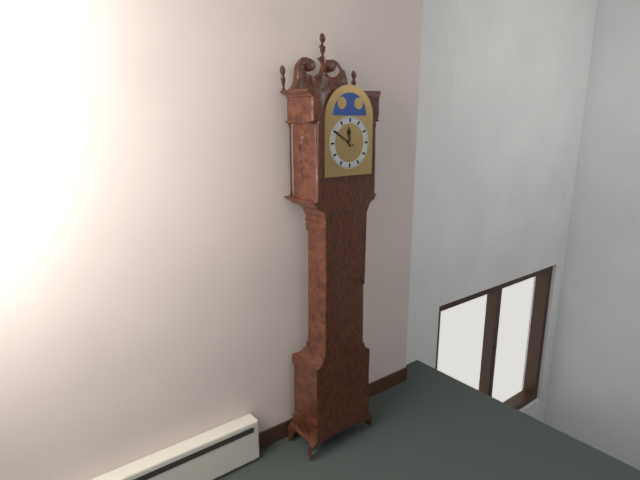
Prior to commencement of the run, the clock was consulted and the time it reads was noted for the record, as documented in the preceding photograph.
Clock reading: 11:50
